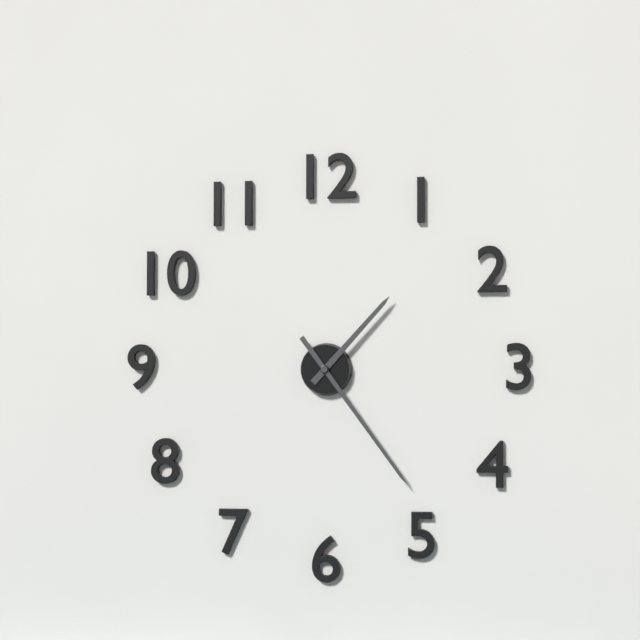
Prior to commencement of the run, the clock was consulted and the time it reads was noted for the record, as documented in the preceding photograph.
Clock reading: 1:24
